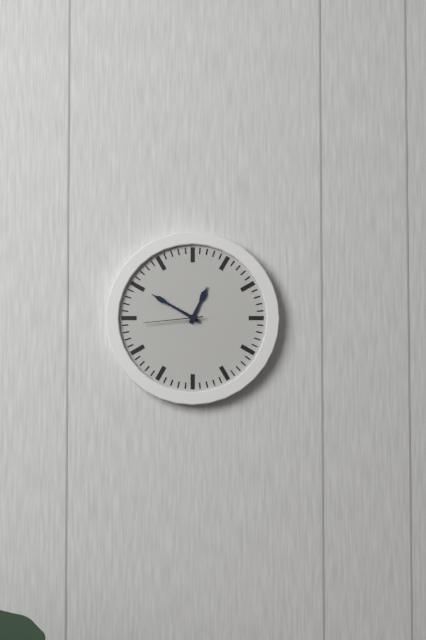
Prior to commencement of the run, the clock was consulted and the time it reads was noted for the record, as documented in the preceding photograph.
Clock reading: 12:50:44
